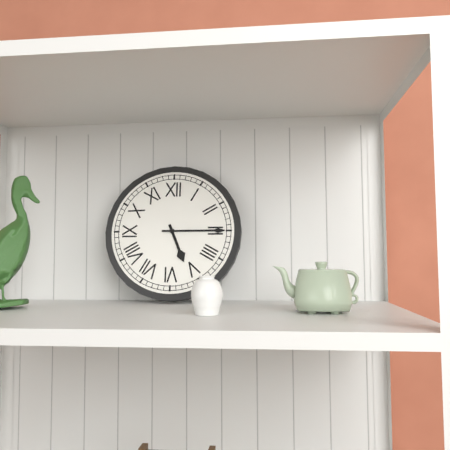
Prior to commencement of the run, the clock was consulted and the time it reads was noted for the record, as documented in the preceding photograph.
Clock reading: 5:15
